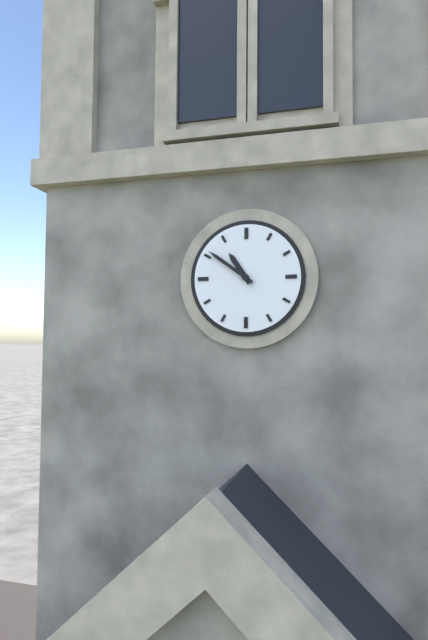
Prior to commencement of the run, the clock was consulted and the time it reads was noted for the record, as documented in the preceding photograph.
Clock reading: 10:51
